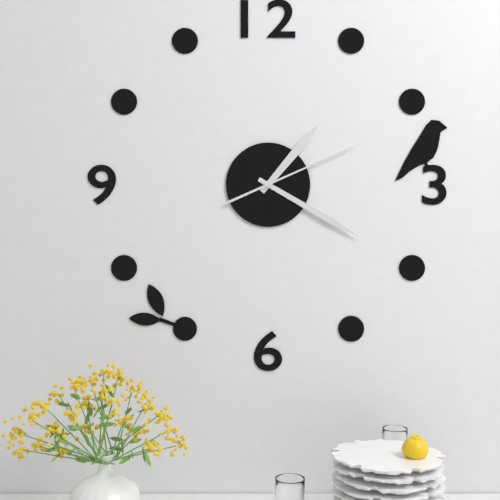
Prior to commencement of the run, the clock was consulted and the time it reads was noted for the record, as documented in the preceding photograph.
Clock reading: 1:20:11
